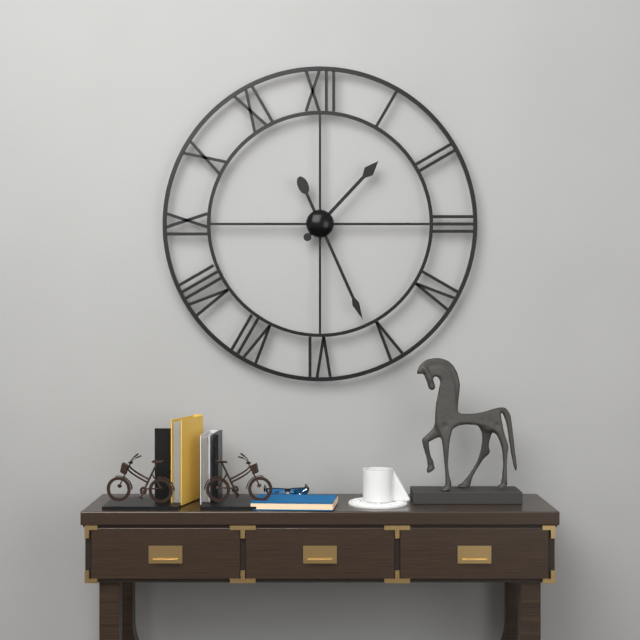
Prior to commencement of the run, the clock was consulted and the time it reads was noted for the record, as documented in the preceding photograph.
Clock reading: 1:26
